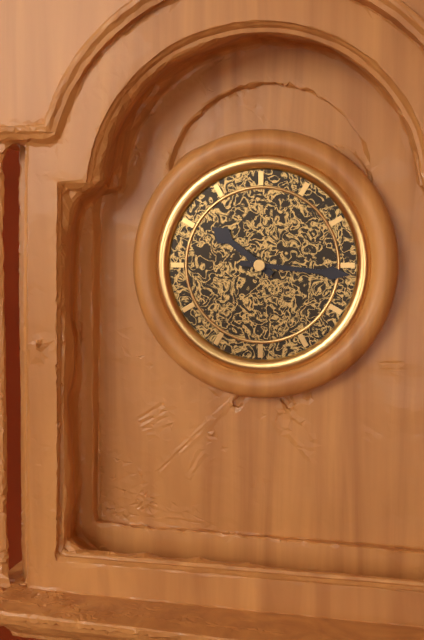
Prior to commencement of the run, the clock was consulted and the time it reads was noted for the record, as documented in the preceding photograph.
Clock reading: 10:16
